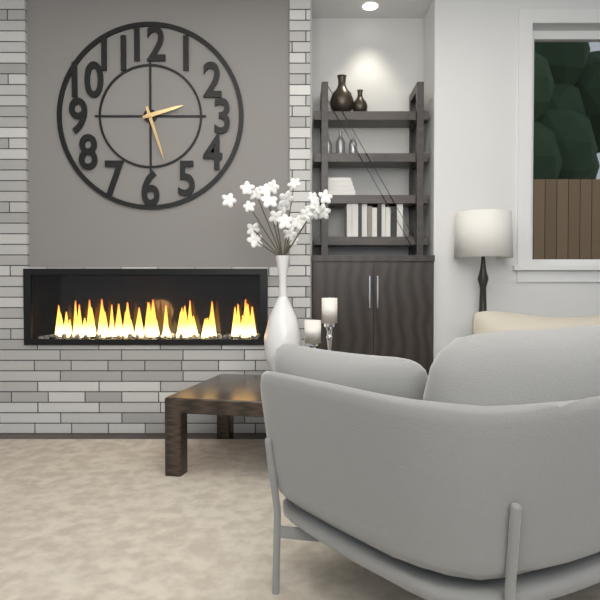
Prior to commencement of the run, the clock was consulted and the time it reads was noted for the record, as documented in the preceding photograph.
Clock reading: 2:27
